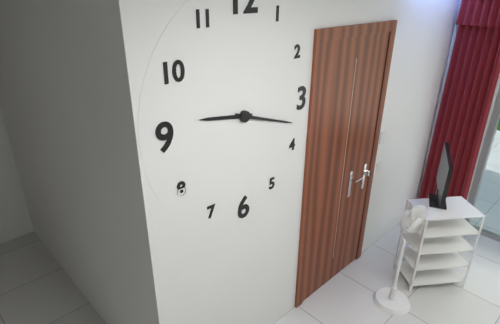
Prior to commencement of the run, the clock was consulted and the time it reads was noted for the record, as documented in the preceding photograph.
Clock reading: 9:18
